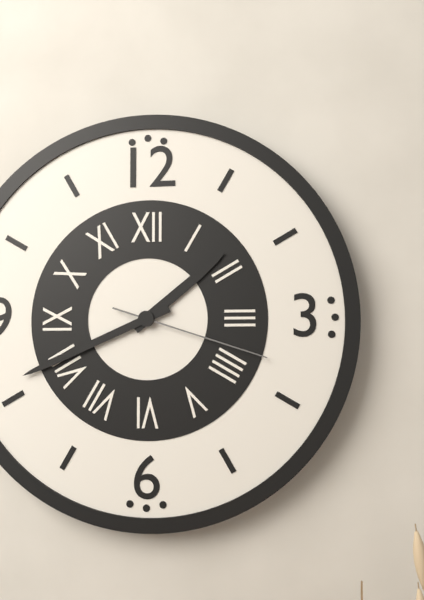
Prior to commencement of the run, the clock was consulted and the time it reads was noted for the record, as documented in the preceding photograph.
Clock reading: 1:41:18
